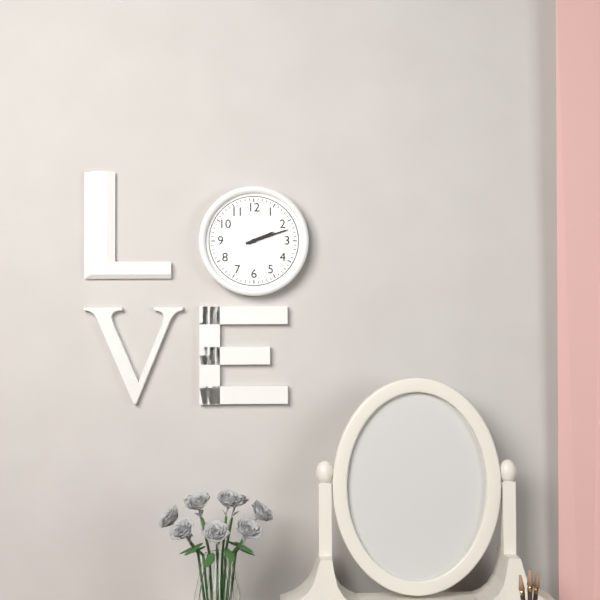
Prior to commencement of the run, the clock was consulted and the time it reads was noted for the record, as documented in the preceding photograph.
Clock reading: 2:12
